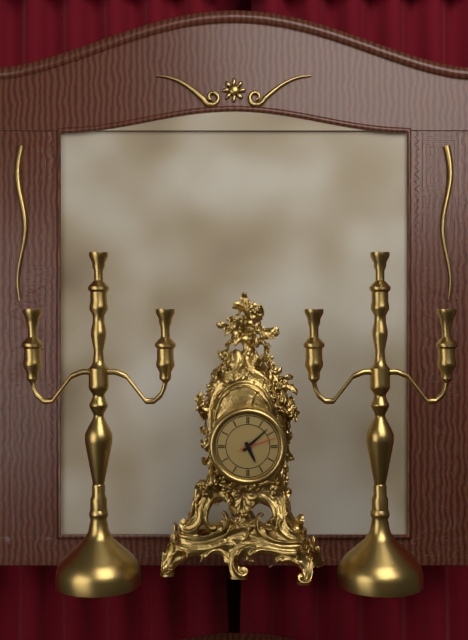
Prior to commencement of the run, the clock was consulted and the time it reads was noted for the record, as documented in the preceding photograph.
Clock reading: 5:08
